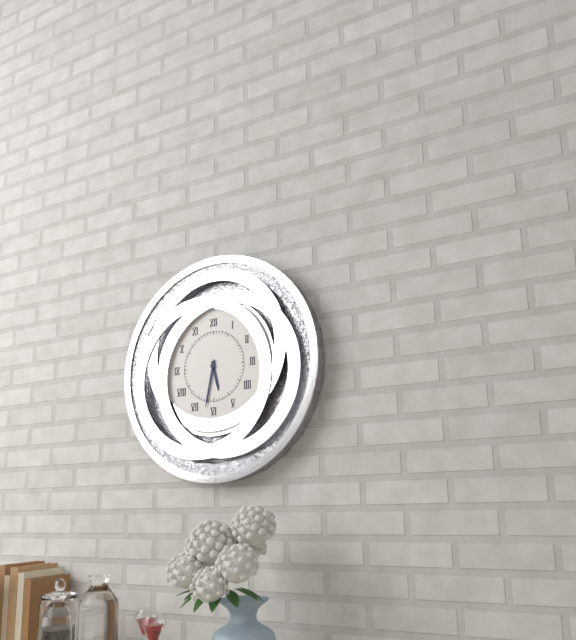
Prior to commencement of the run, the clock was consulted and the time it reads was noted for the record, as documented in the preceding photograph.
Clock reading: 5:32
